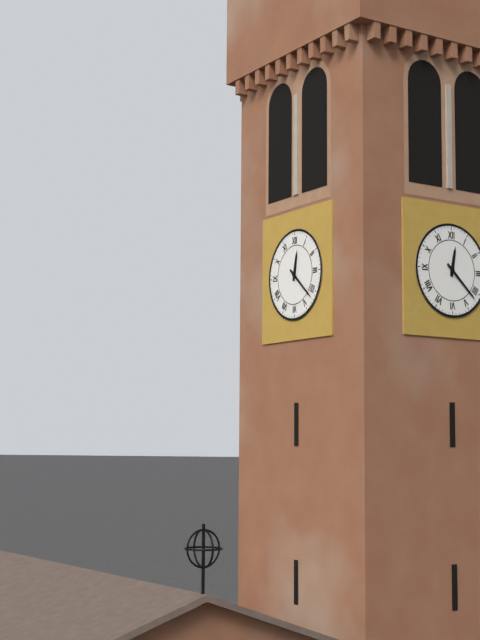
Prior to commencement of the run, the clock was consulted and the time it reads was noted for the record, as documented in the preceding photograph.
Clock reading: 12:22
